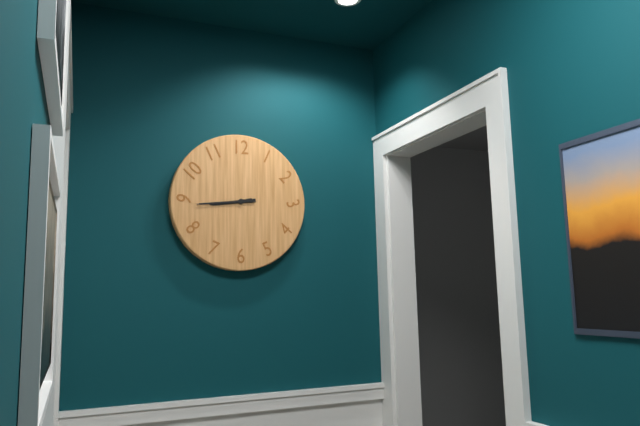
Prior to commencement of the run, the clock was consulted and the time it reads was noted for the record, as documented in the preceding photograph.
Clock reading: 8:44
